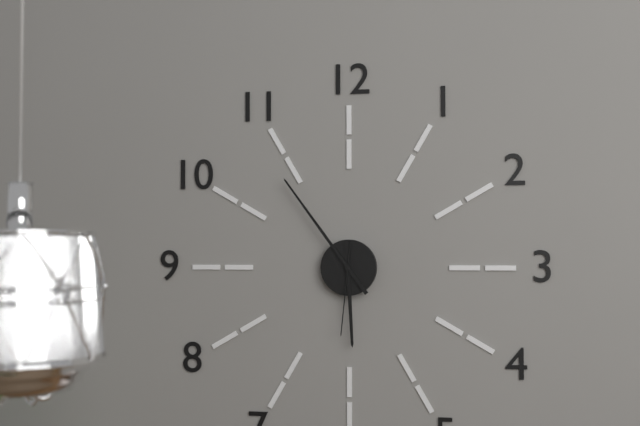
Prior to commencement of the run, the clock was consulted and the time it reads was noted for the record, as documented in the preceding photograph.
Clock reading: 5:54:31
